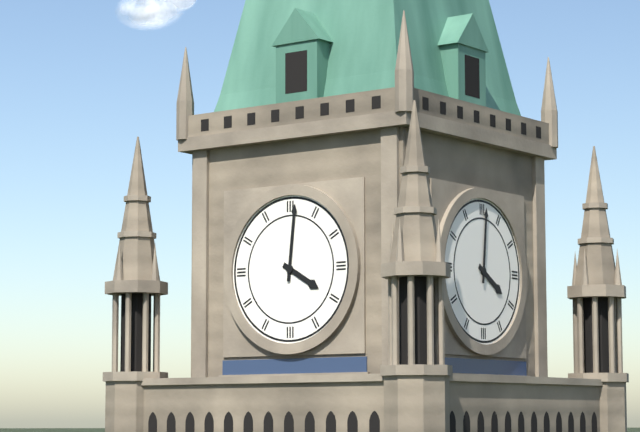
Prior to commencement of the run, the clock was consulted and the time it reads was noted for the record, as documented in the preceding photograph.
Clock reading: 4:01
